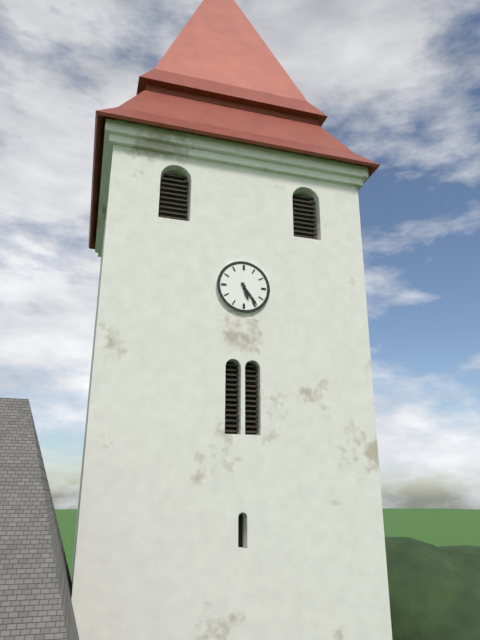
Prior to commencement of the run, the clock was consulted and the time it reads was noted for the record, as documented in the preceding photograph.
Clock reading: 5:24
